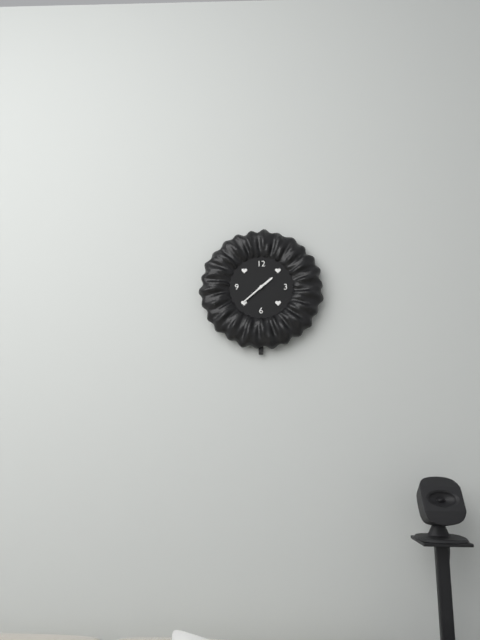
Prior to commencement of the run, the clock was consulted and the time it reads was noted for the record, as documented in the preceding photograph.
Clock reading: 1:38
